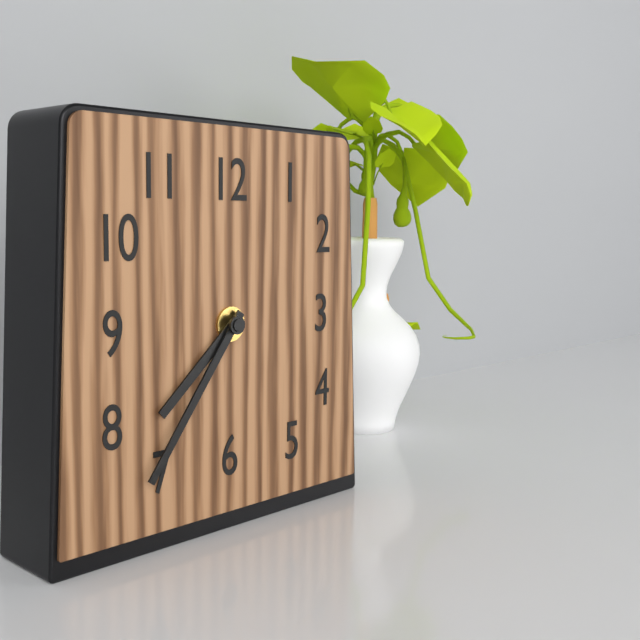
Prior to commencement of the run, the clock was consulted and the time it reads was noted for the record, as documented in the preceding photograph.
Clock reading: 7:36
